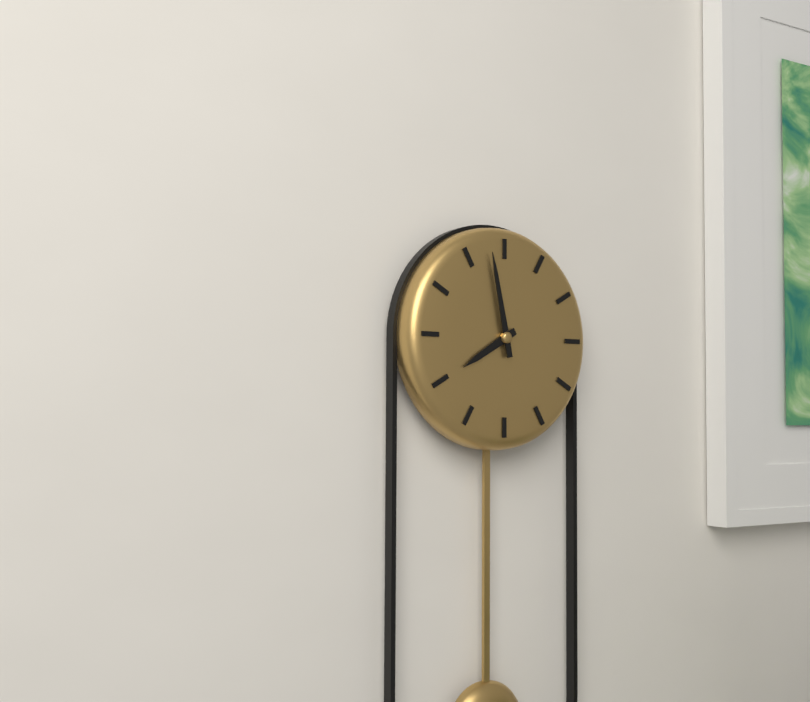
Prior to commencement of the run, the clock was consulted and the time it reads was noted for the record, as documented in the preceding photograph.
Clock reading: 7:58
